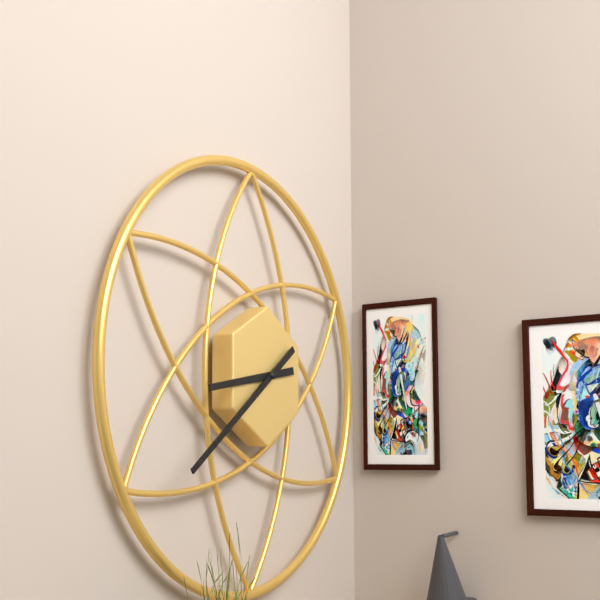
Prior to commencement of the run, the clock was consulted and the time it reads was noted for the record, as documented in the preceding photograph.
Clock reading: 8:39
